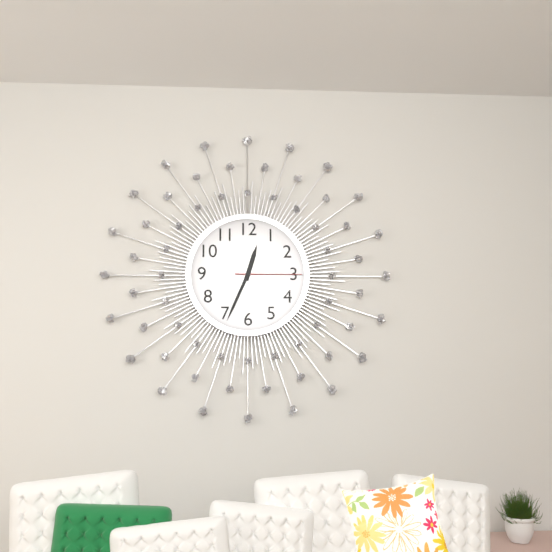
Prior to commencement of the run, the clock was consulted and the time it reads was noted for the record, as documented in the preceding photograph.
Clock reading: 12:34:15
